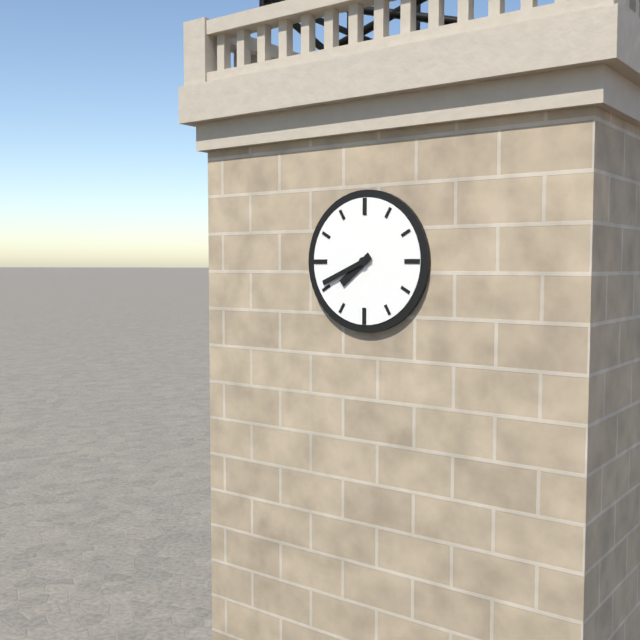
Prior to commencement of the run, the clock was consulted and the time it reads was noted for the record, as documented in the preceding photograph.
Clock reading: 7:41
